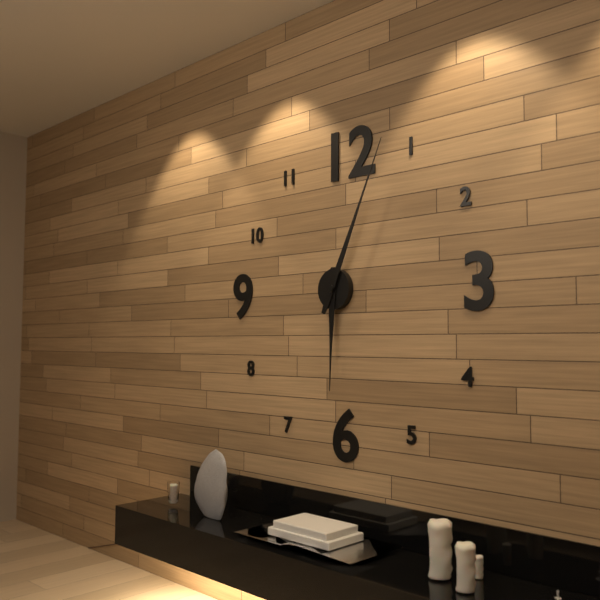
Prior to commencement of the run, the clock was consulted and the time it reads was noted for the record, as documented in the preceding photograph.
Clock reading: 6:04
